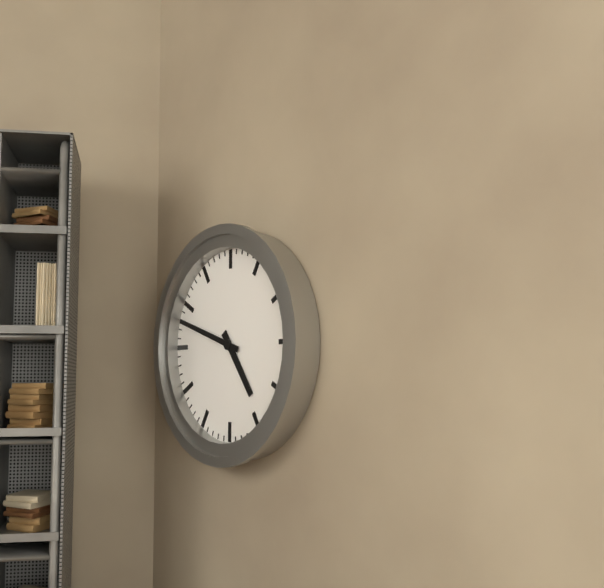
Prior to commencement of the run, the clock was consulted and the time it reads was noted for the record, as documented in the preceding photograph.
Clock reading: 4:48
